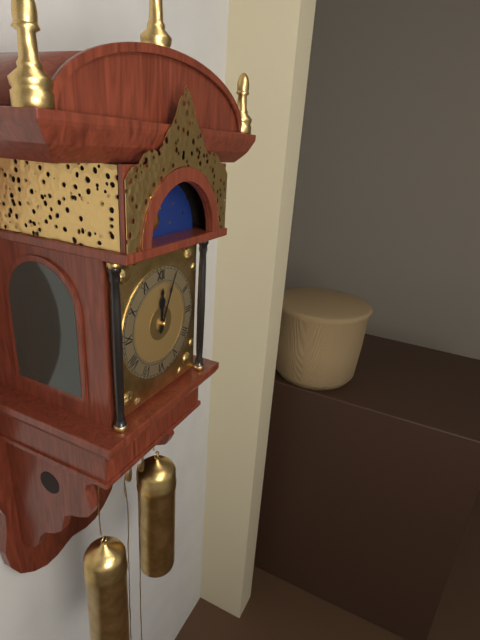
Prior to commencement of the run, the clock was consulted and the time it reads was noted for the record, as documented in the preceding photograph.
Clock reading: 12:04
